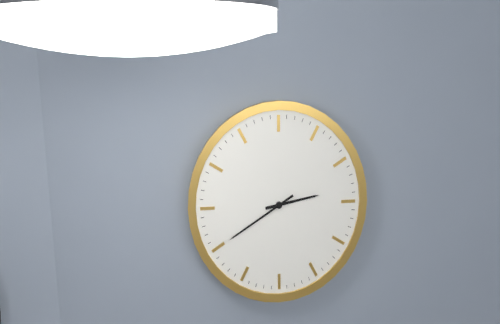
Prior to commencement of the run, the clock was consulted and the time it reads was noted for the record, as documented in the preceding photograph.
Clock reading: 2:40
